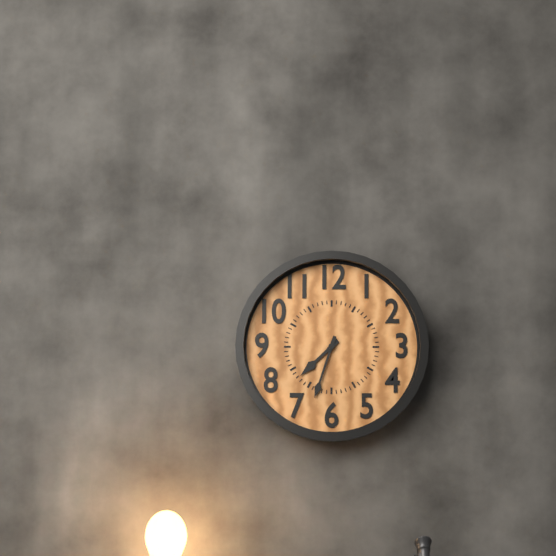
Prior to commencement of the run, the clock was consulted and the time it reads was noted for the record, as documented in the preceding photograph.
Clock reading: 7:33
